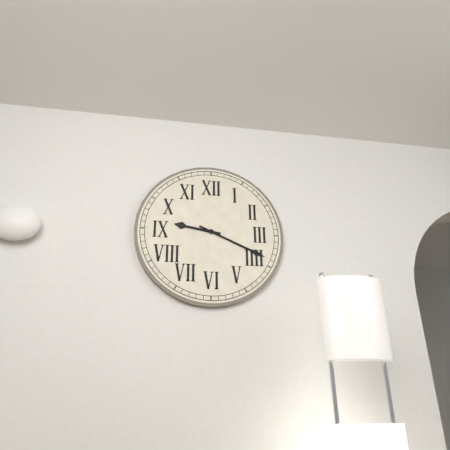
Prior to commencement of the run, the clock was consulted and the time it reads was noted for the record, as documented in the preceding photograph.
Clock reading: 9:19
